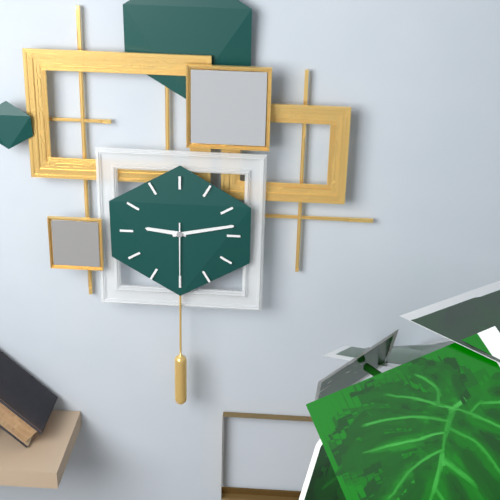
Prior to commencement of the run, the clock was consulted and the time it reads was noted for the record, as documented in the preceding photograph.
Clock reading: 9:13:30
